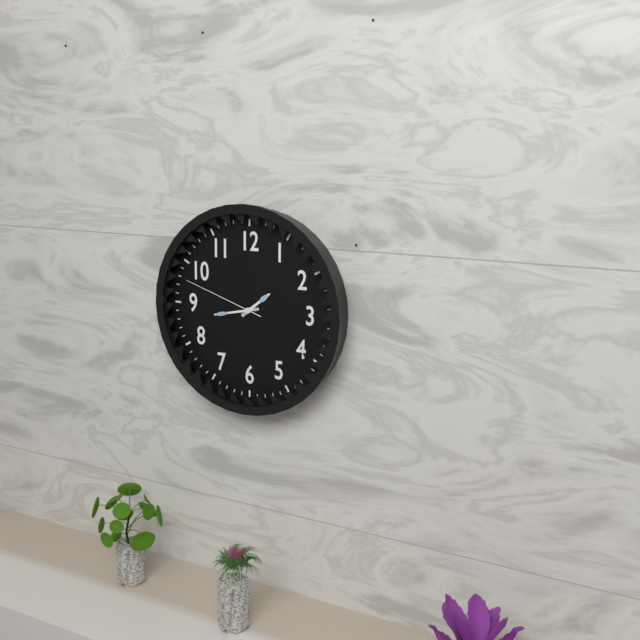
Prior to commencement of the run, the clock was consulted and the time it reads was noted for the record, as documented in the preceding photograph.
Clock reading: 1:43:48
